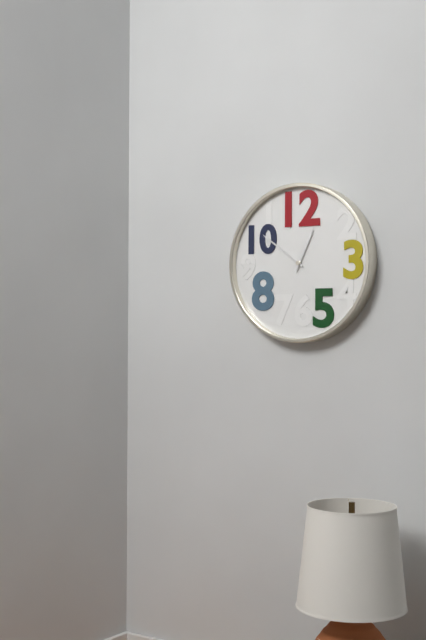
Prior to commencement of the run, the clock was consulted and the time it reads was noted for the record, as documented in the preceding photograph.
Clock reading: 12:51
